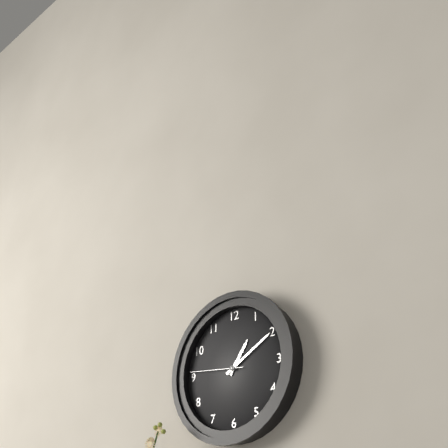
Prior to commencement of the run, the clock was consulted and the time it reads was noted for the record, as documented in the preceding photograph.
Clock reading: 1:10:46
